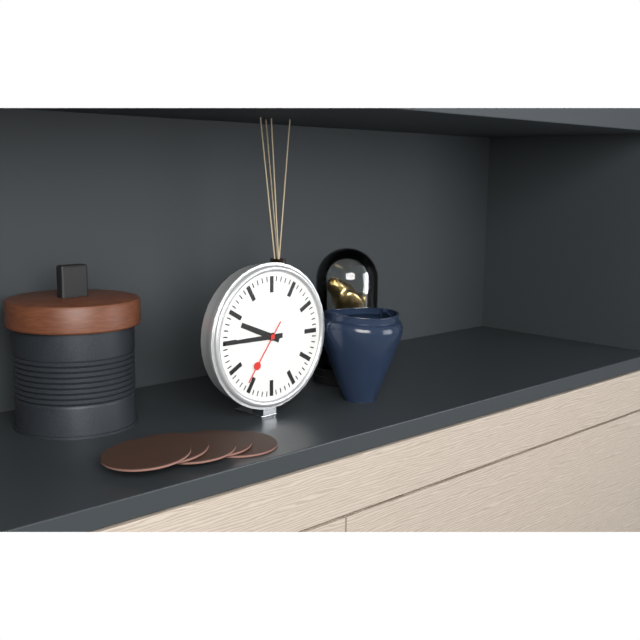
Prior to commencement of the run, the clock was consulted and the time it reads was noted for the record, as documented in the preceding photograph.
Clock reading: 9:45:36
